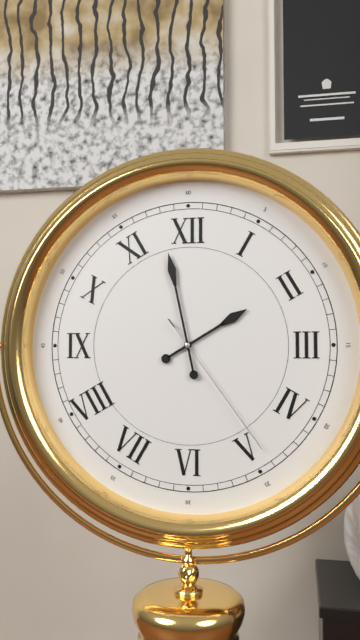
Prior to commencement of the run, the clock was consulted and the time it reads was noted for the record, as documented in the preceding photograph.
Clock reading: 1:58:24
